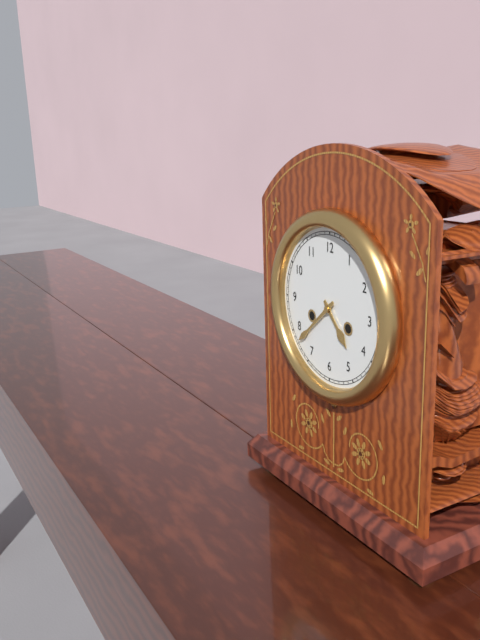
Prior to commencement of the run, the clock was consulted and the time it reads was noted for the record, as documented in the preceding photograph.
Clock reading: 4:38
